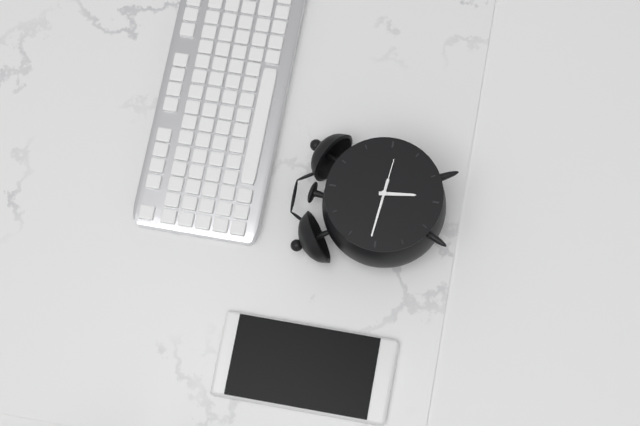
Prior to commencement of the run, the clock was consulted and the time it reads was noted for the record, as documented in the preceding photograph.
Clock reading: 5:46
